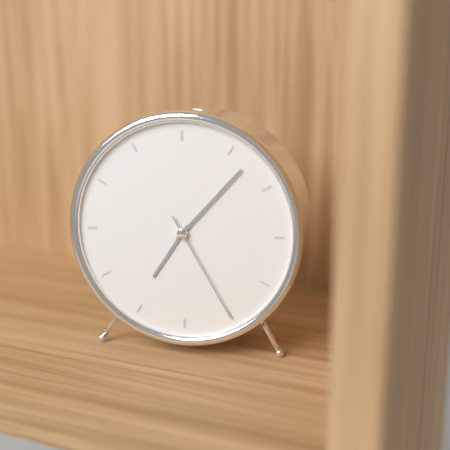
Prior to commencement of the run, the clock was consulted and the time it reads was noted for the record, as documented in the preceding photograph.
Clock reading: 7:07:25
